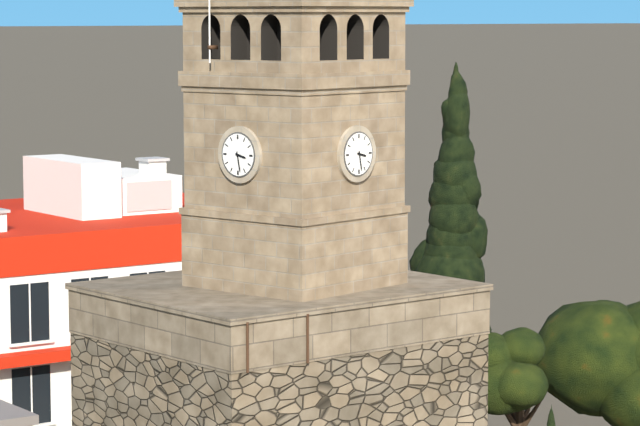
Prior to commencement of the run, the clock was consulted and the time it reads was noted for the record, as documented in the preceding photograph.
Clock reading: 3:28
